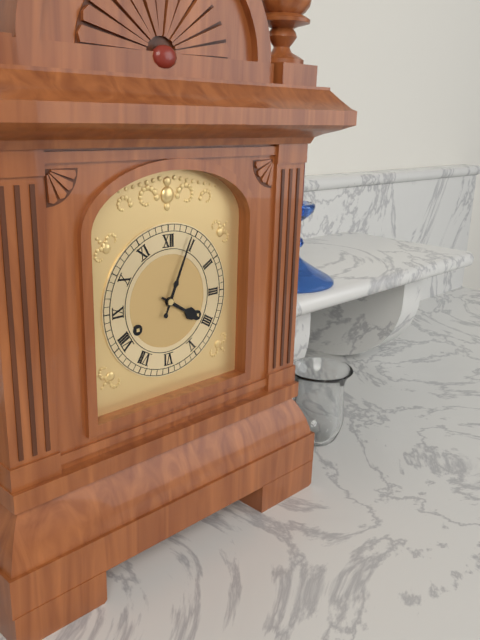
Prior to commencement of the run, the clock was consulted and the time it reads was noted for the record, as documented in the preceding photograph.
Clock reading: 4:04
